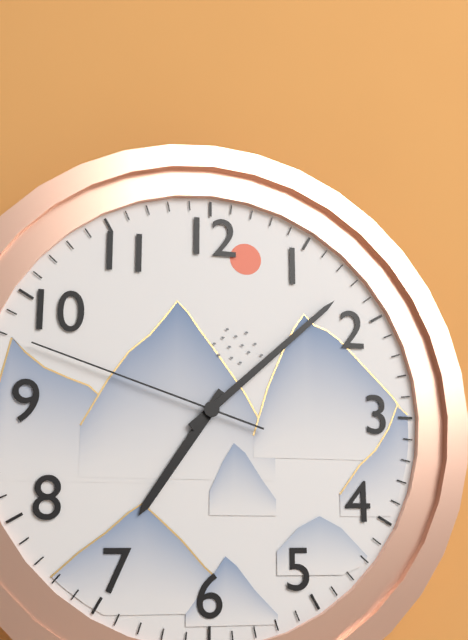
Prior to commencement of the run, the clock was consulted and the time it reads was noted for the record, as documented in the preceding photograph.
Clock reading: 7:08:48
